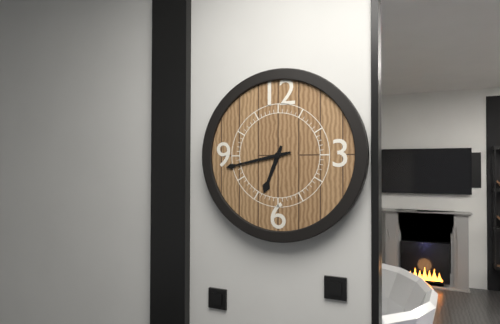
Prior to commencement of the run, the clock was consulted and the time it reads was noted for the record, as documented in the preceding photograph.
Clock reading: 6:43
